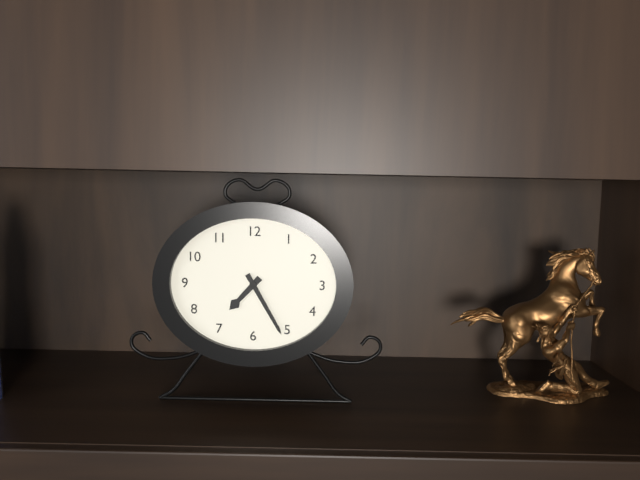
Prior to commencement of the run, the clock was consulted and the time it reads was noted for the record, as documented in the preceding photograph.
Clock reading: 7:25
